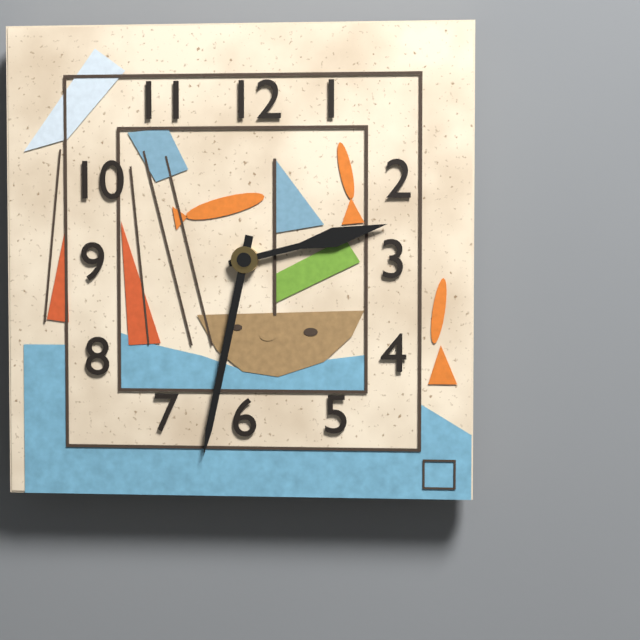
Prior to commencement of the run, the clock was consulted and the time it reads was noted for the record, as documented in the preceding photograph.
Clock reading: 2:32
